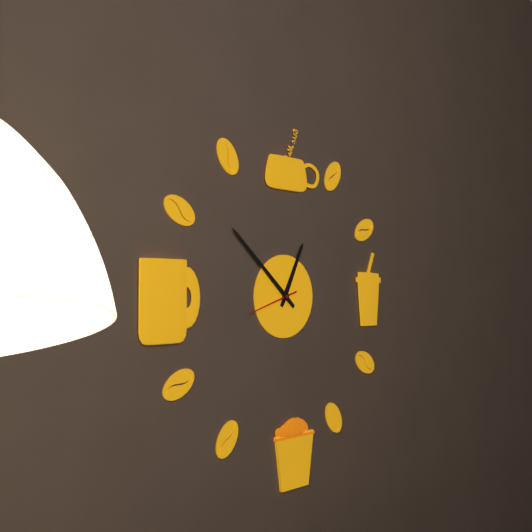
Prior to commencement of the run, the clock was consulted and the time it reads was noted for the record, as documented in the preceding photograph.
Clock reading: 12:52
